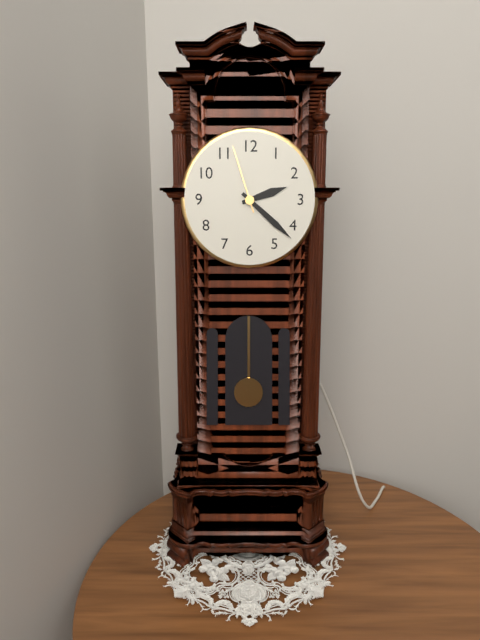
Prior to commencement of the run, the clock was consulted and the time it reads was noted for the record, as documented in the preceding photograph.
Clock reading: 2:22:57
